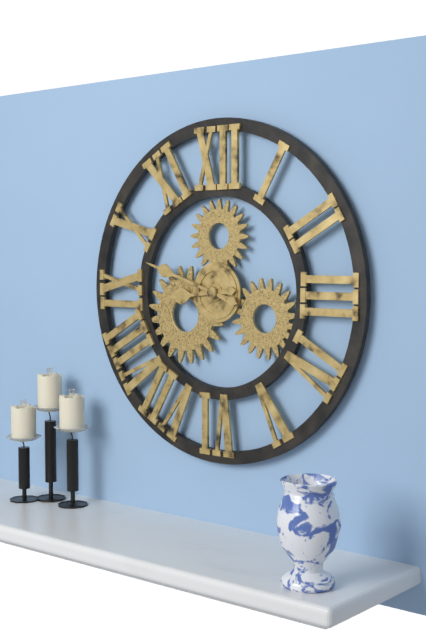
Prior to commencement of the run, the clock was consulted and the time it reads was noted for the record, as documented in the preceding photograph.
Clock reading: 8:48
